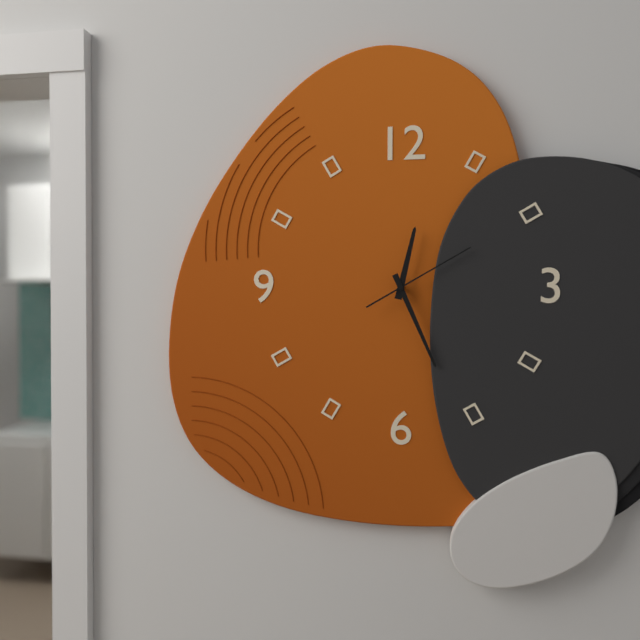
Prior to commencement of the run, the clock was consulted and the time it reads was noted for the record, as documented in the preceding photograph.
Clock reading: 12:26:10
